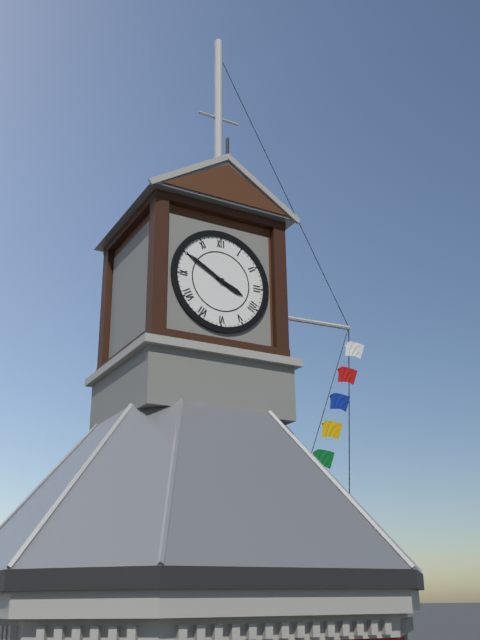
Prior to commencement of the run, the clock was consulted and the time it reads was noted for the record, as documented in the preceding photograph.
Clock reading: 3:50
